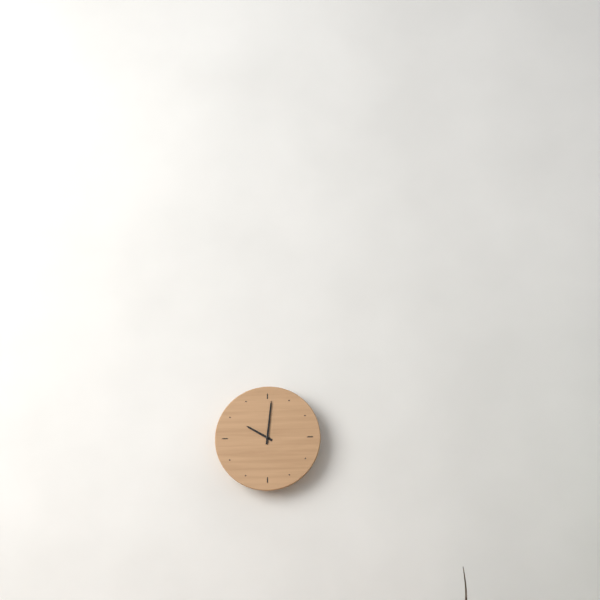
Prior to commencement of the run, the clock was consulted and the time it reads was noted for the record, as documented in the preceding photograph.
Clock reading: 10:01
